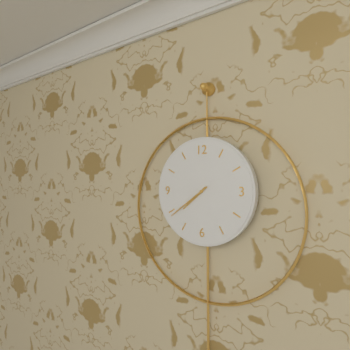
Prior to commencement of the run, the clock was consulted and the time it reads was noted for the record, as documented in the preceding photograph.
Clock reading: 7:39
